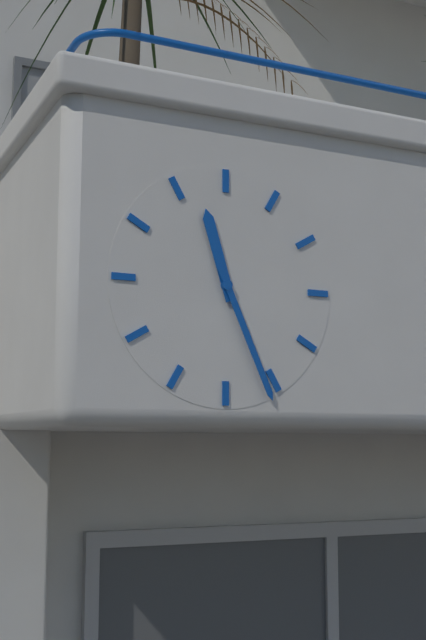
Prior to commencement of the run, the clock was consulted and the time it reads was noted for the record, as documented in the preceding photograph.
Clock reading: 11:26
